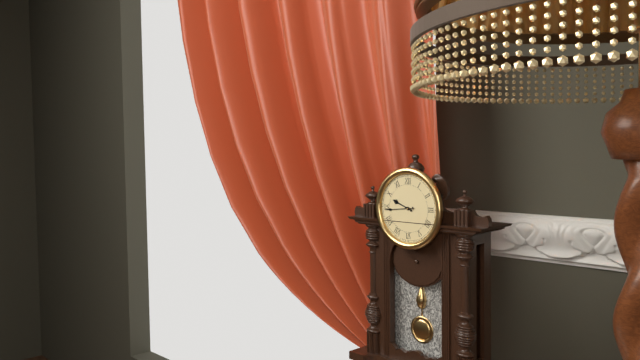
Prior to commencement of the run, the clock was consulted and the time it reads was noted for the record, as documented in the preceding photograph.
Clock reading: 9:44
